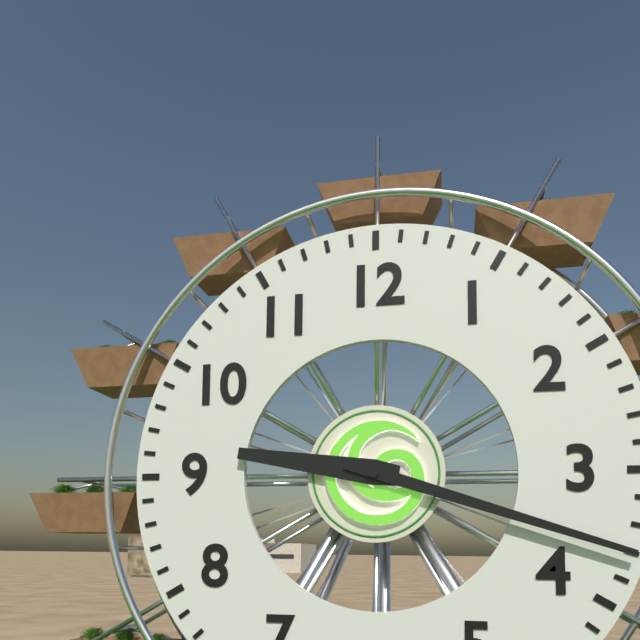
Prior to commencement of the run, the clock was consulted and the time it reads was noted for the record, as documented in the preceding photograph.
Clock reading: 9:18
